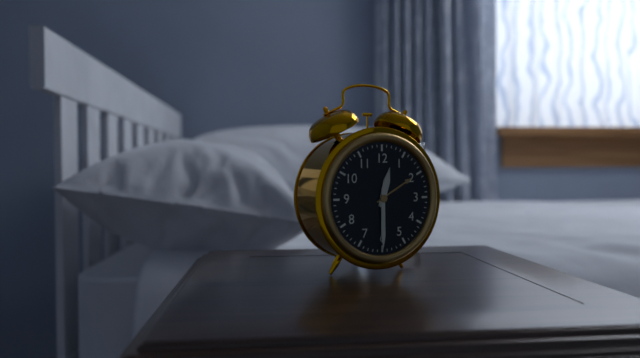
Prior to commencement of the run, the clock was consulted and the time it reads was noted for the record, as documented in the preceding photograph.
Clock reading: 12:30
